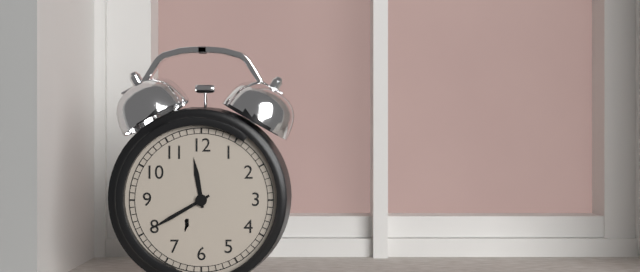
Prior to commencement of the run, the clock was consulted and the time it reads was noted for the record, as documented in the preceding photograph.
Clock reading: 11:40
